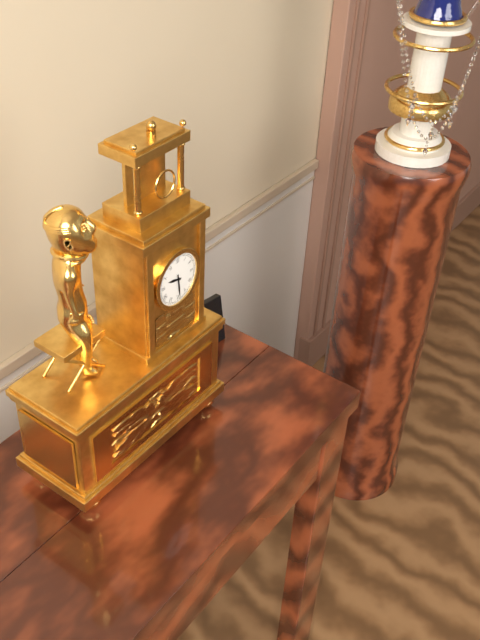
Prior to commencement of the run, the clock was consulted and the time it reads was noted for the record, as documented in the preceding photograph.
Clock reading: 9:29
